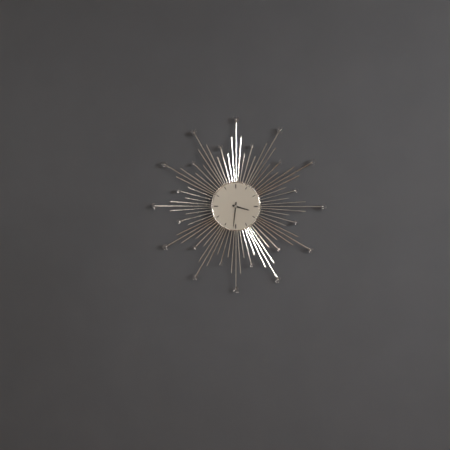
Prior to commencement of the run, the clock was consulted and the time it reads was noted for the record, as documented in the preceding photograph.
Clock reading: 3:31
